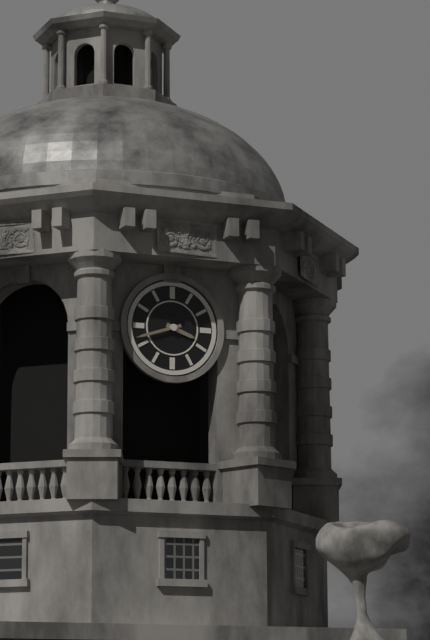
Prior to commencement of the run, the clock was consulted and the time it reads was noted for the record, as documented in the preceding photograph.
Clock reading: 3:42
